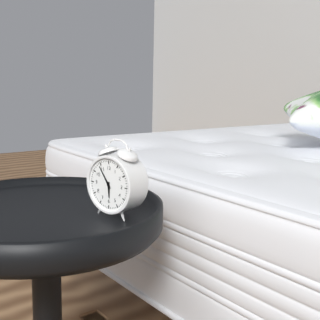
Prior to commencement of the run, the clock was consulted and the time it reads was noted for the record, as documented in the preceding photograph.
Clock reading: 5:54
